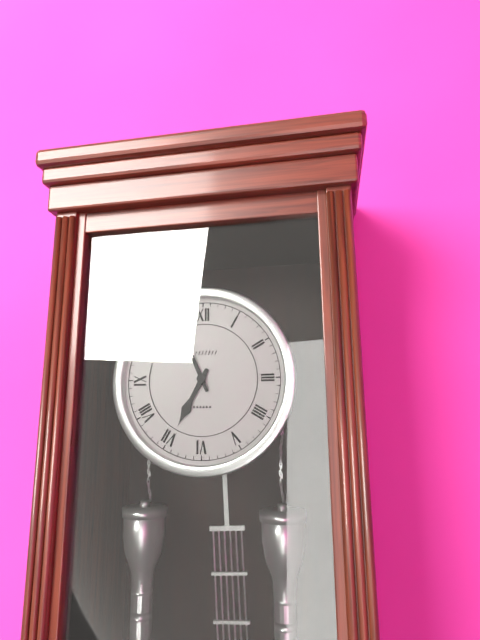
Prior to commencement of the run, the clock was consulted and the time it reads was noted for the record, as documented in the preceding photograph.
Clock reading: 6:56
